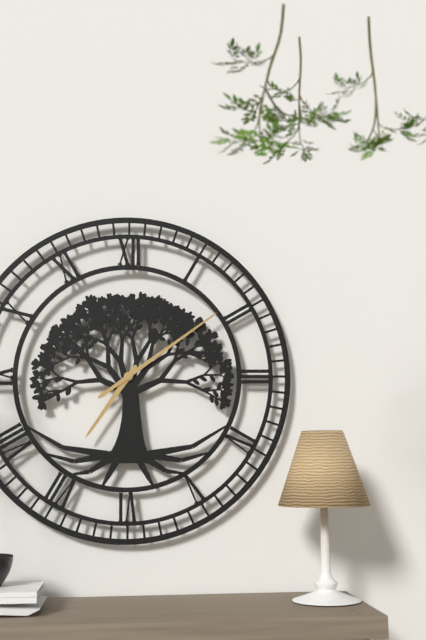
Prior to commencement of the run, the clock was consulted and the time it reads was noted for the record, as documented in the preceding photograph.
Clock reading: 7:09
